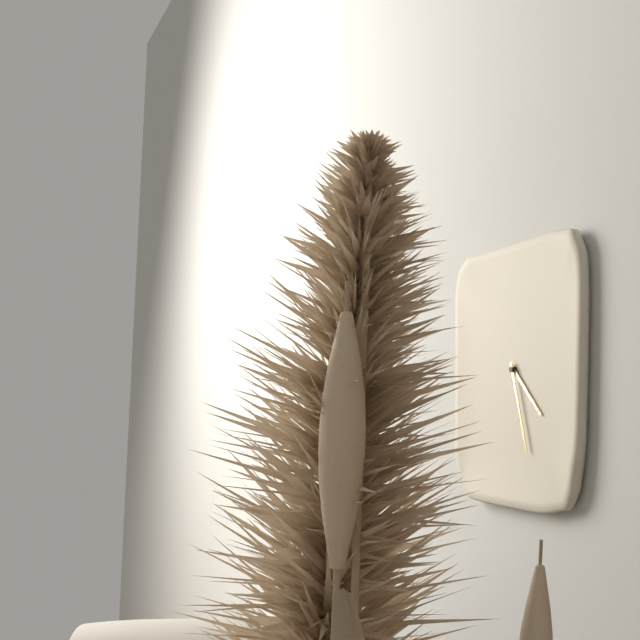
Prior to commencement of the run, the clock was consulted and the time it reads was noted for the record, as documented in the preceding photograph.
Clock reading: 4:27
